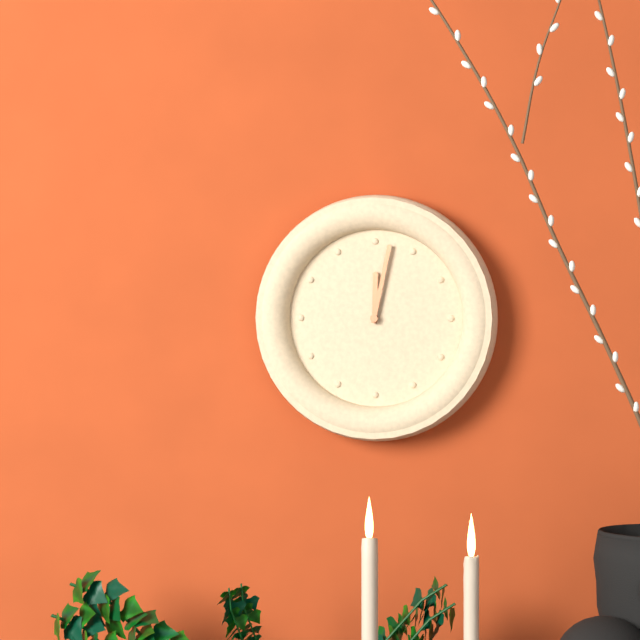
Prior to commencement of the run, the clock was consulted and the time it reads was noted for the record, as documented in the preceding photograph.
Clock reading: 12:02
